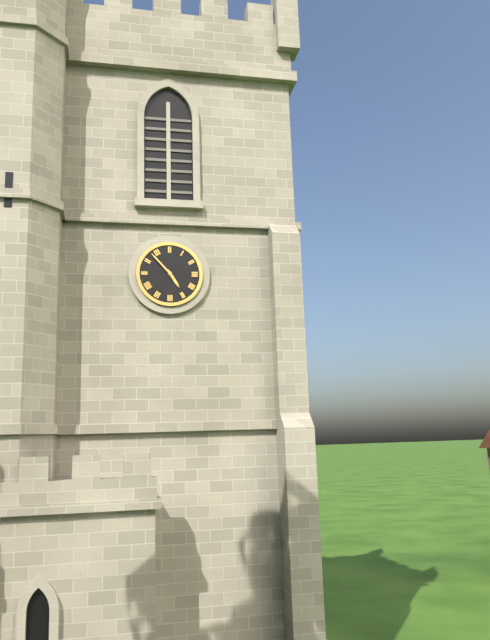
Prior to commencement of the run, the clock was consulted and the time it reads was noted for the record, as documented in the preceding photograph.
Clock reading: 4:53
